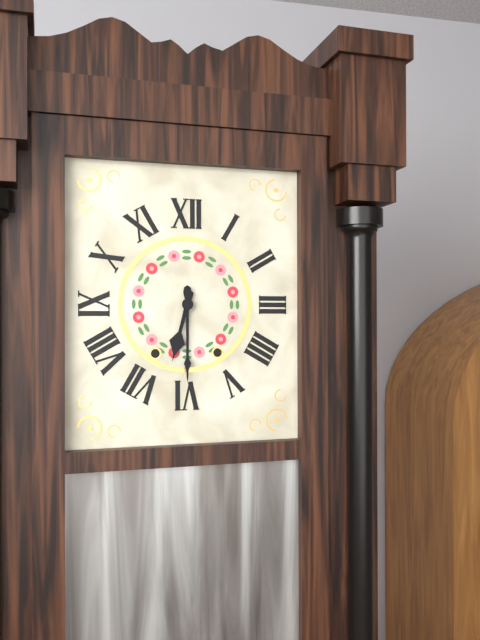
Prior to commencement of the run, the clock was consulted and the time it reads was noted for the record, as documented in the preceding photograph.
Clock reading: 6:30
